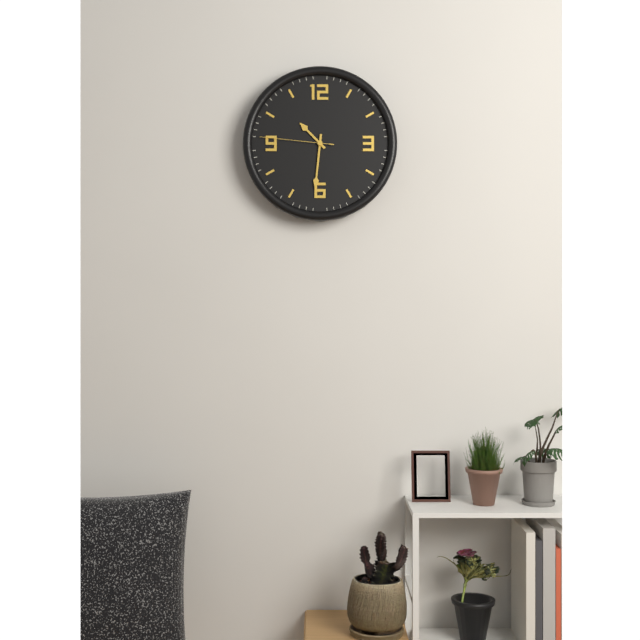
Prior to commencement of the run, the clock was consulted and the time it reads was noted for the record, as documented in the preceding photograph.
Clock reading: 10:31:46
